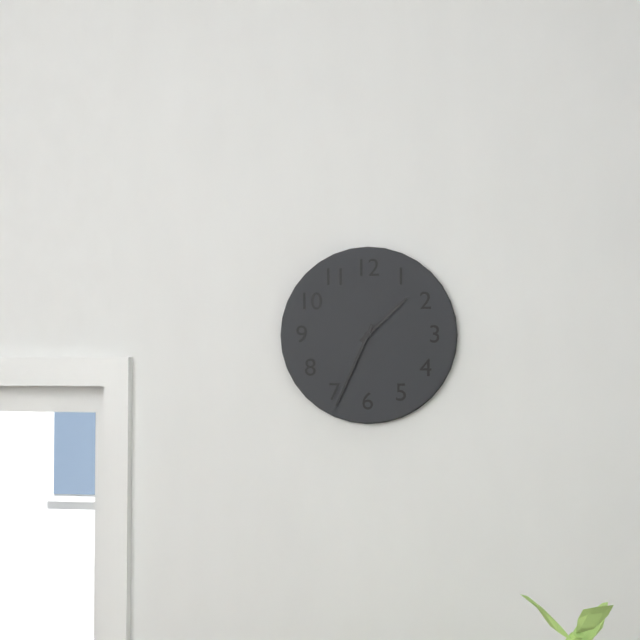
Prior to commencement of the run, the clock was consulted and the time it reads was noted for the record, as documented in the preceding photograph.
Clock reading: 1:34
